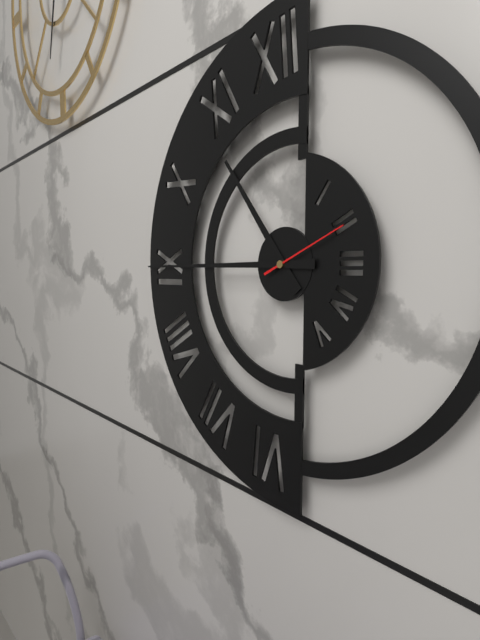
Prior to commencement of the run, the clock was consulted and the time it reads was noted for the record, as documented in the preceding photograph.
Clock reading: 10:45:11
